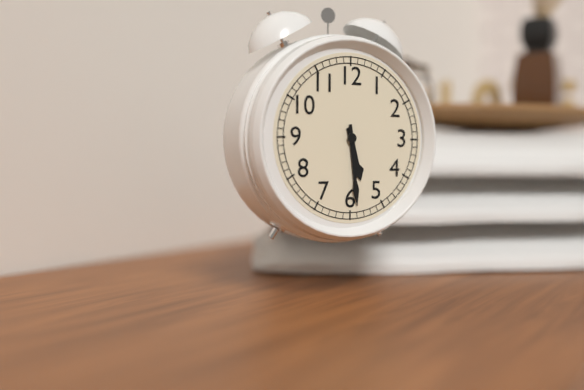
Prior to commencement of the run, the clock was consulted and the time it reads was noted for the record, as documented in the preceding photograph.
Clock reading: 5:29
